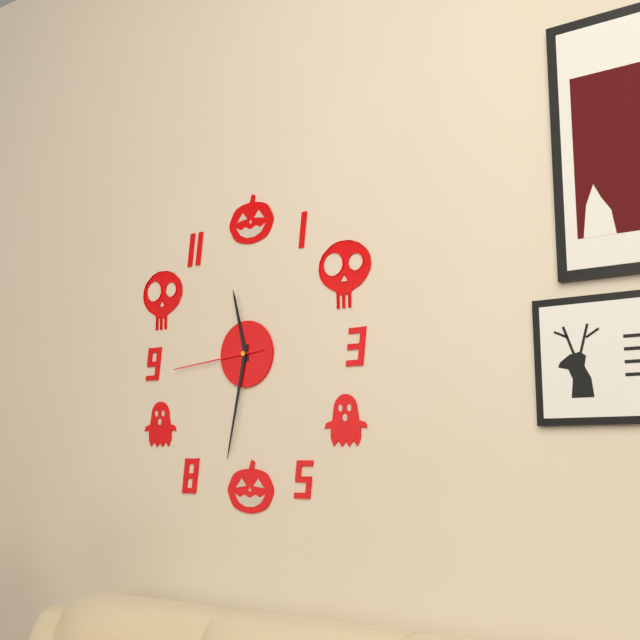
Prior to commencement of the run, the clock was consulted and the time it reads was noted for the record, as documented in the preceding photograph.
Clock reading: 11:32:44
